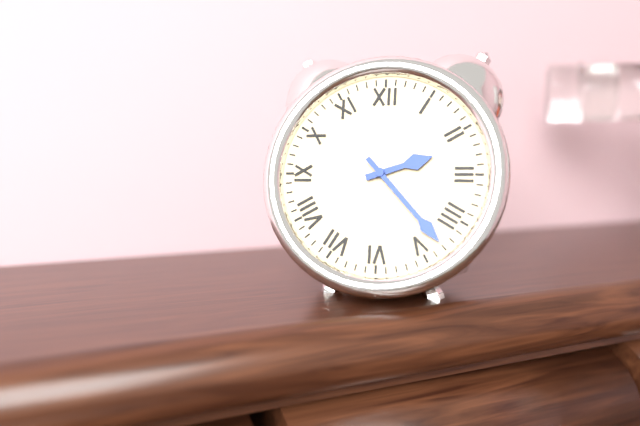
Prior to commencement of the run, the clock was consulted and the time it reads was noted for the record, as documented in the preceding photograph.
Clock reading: 2:23
